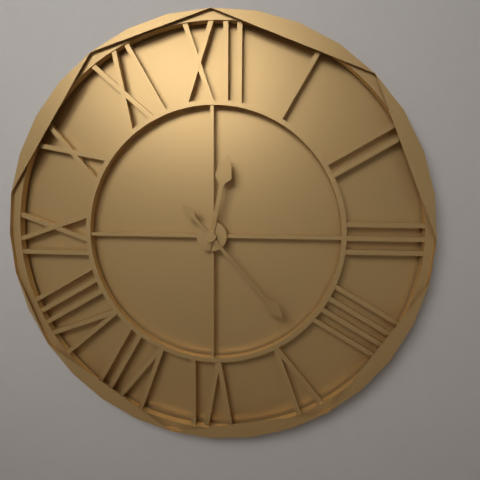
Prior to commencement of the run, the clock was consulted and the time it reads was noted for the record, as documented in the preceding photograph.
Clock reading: 12:23
